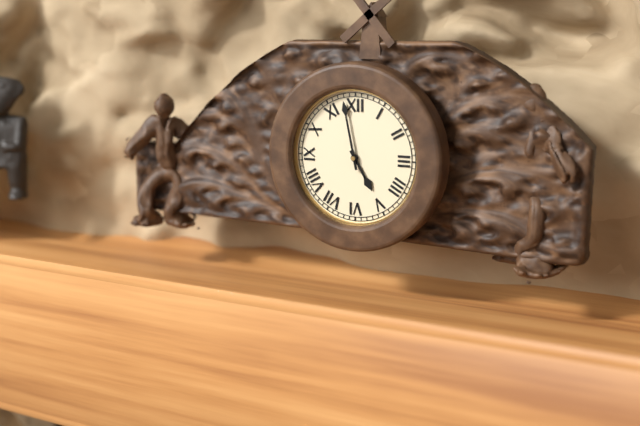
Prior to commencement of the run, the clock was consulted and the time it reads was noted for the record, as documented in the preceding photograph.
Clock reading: 4:58
